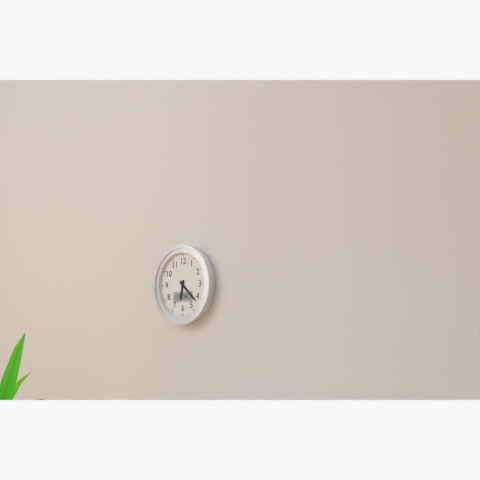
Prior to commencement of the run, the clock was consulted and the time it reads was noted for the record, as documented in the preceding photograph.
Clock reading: 6:22
